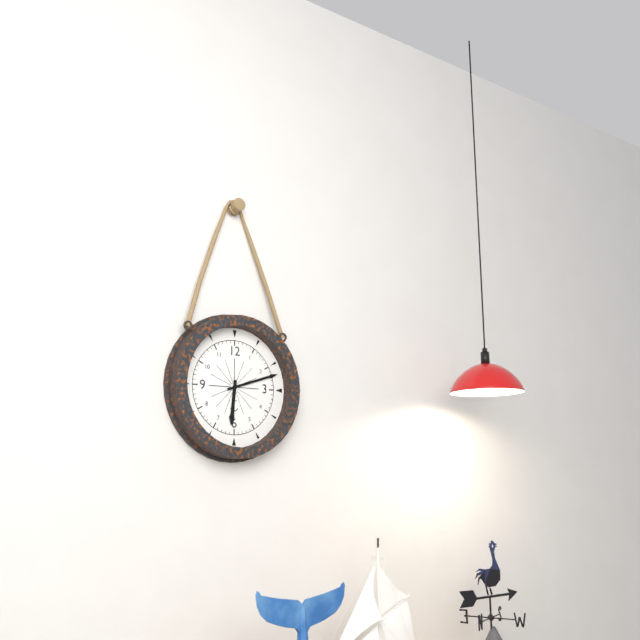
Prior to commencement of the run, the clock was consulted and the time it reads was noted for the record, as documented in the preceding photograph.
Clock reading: 6:12
